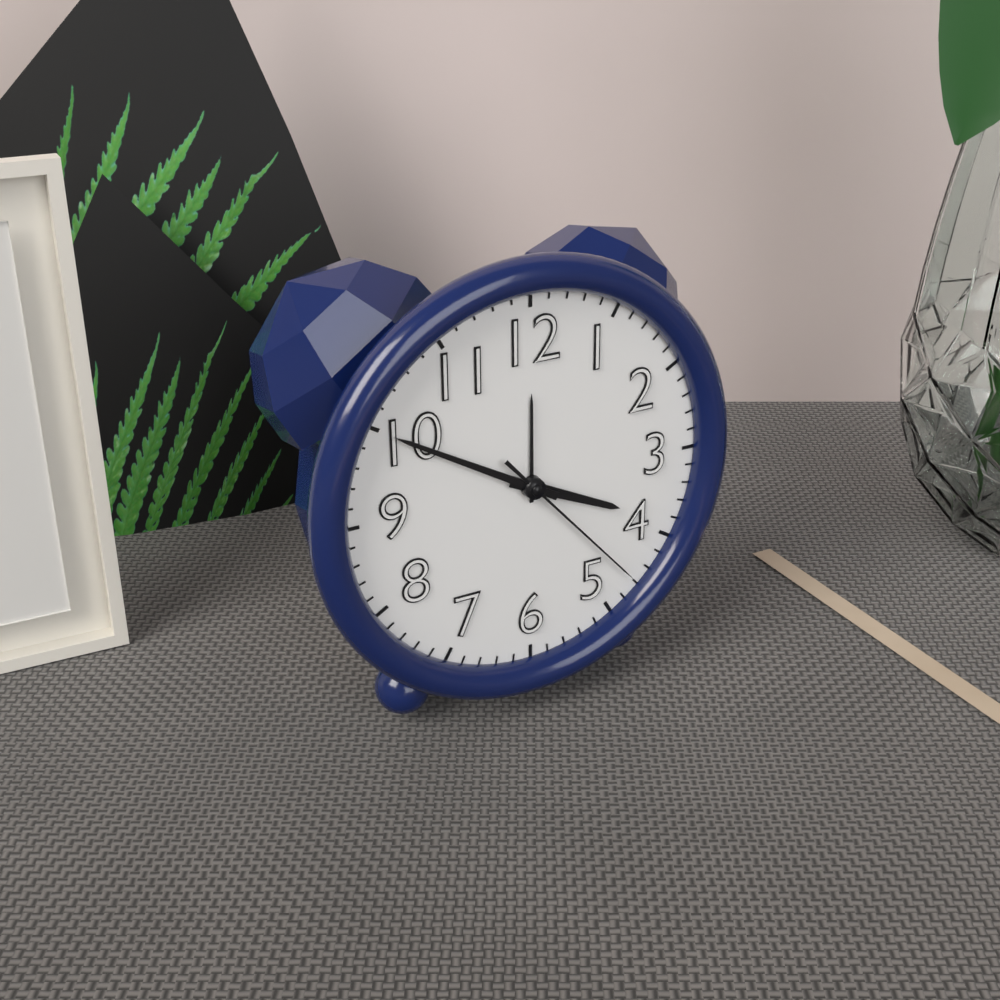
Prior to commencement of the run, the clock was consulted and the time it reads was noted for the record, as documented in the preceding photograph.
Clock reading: 3:50:23
